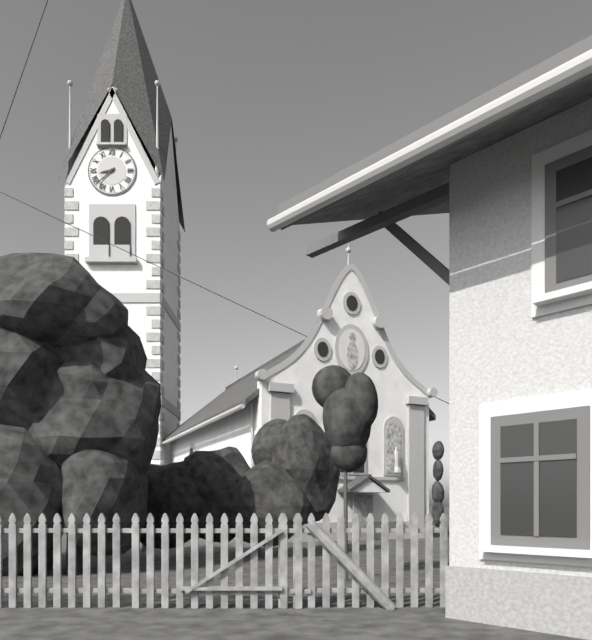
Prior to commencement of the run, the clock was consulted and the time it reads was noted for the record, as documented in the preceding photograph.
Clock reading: 8:38
